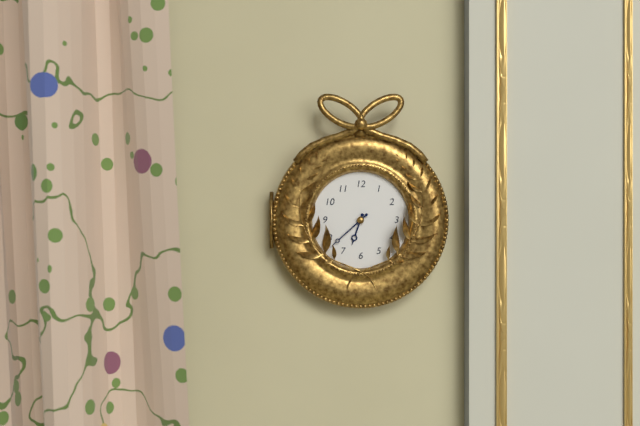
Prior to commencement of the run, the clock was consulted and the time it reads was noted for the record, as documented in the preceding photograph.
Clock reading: 6:38
